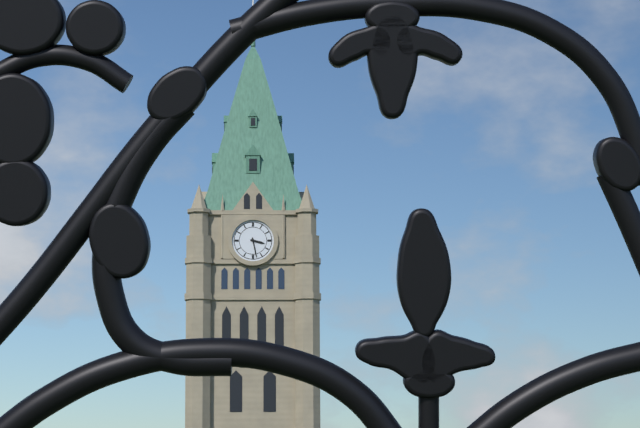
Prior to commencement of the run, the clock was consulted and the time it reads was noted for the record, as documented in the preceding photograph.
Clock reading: 3:28
